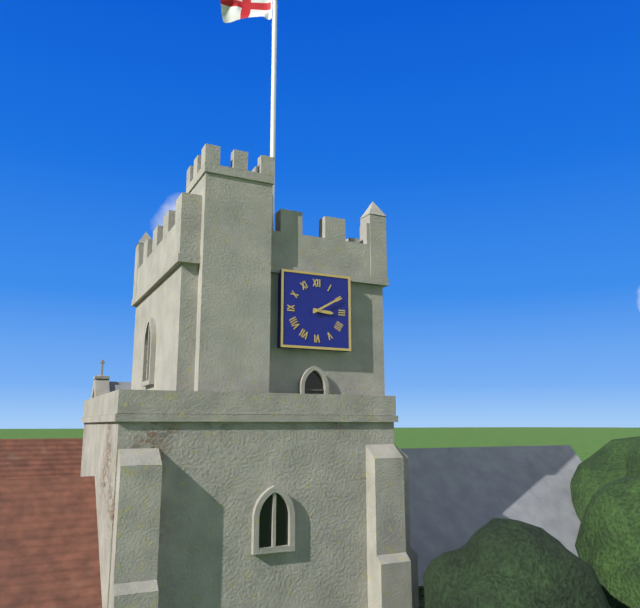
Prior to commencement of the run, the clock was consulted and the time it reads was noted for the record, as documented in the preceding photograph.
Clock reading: 3:10
